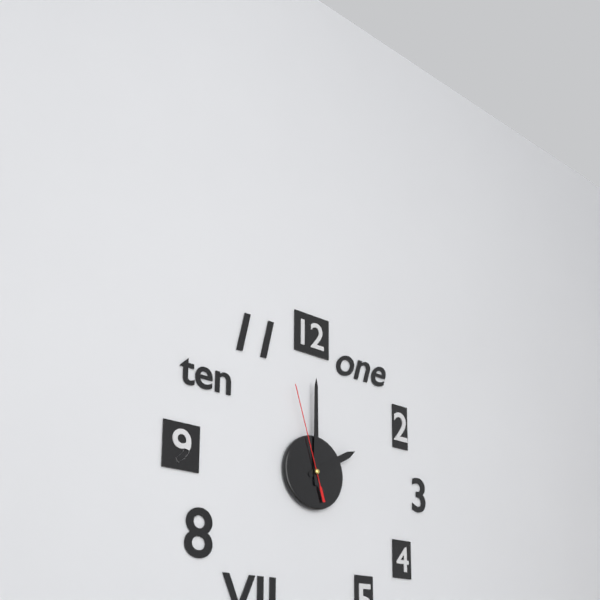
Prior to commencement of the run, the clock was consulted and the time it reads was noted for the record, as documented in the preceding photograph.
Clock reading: 2:00:57
